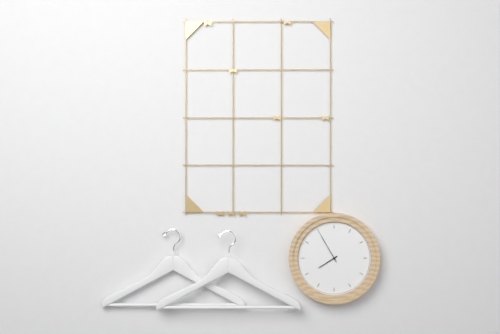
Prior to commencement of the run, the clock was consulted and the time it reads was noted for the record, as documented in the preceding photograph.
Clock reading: 7:55
